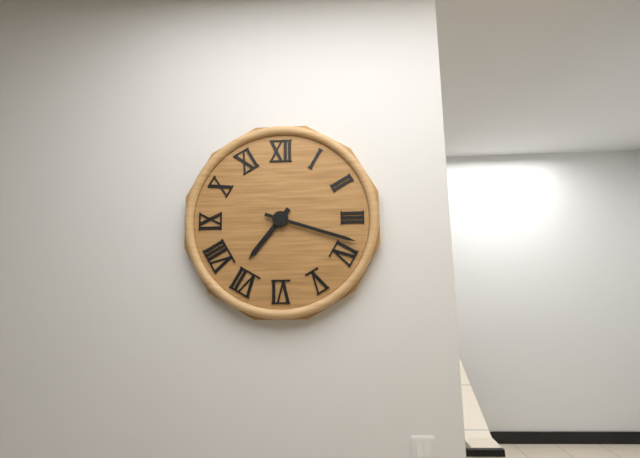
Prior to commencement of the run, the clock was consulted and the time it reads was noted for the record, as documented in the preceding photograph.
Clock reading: 7:18
